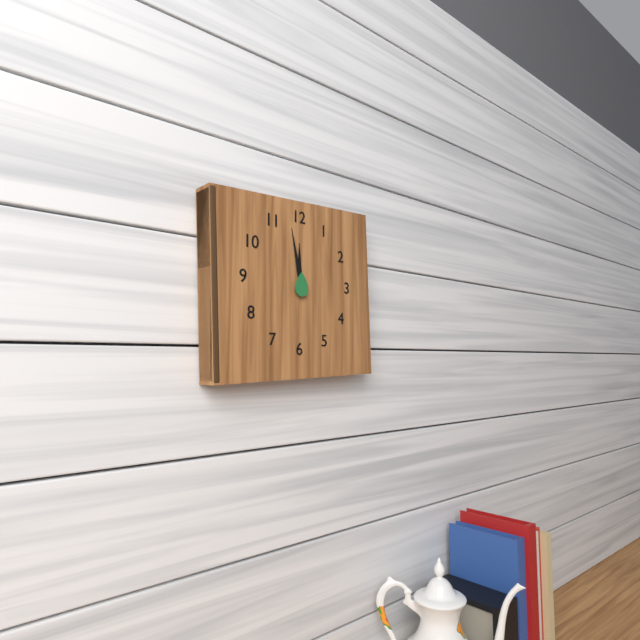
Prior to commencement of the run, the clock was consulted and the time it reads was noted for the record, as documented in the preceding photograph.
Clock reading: 11:58
